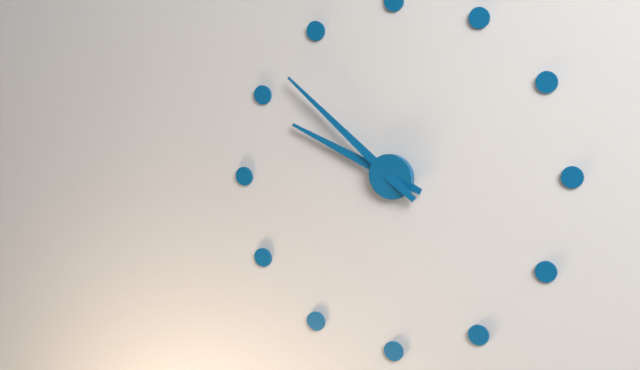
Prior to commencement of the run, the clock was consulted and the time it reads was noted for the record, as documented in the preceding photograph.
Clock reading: 9:52
